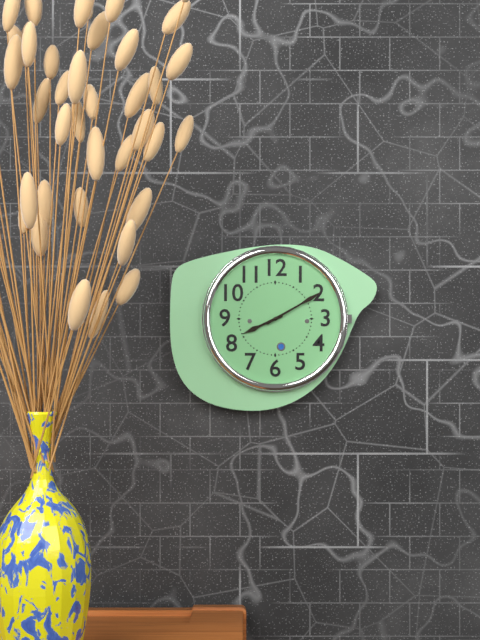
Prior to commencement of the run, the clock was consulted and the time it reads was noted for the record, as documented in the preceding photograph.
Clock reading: 8:10
